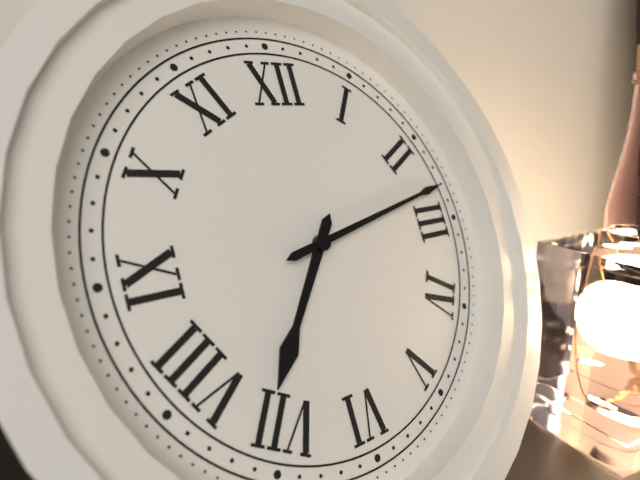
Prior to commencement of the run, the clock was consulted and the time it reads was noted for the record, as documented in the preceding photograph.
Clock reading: 7:13
